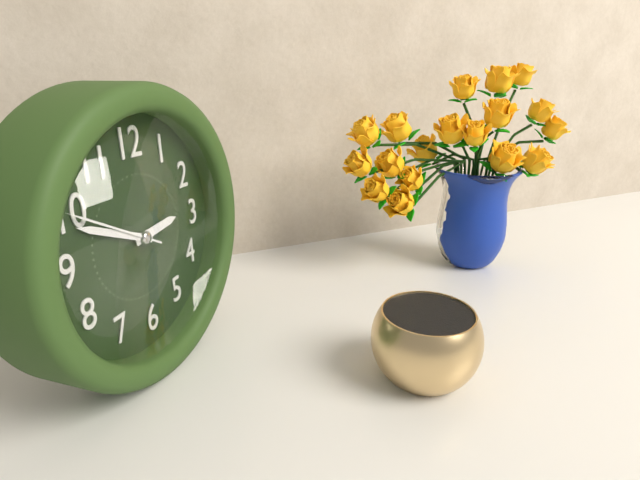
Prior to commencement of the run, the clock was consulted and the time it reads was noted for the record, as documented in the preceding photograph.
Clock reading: 2:49:50
